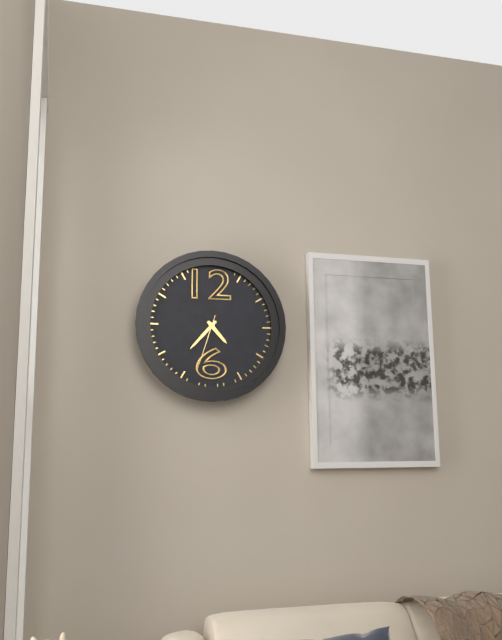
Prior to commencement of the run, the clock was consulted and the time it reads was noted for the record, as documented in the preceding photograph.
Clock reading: 4:37:33
